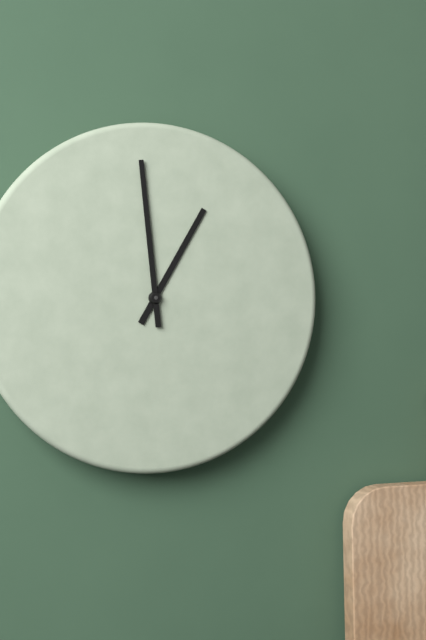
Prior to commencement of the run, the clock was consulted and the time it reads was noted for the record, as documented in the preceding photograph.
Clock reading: 12:59
